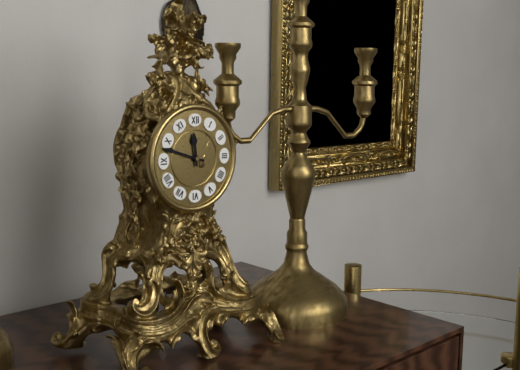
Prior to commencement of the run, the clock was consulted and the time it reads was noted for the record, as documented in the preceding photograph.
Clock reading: 11:48
